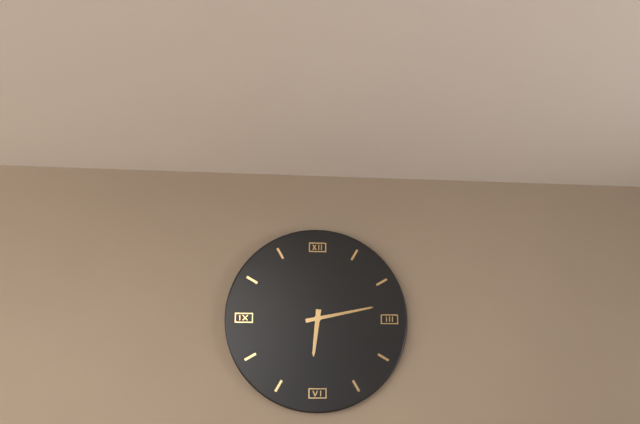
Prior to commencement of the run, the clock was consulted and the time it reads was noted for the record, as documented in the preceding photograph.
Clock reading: 6:13
